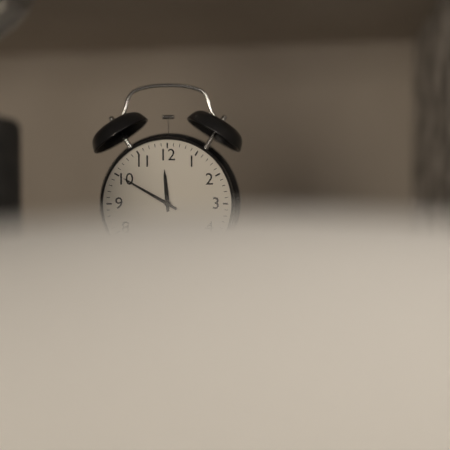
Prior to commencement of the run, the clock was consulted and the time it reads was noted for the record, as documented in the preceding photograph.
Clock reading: 11:50
